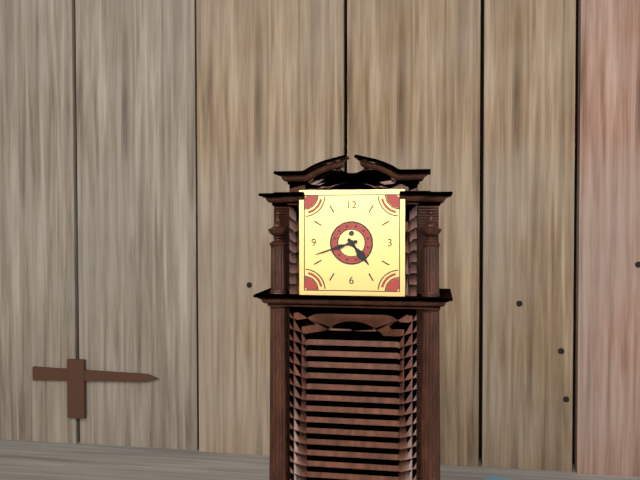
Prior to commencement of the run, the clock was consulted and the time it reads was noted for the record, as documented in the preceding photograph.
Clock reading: 4:42
